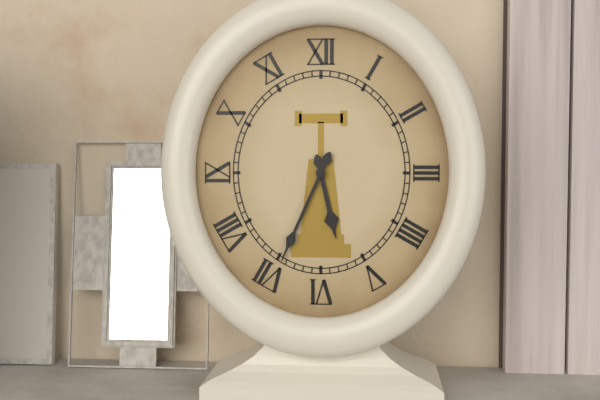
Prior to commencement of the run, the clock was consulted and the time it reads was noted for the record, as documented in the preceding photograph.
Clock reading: 5:34
